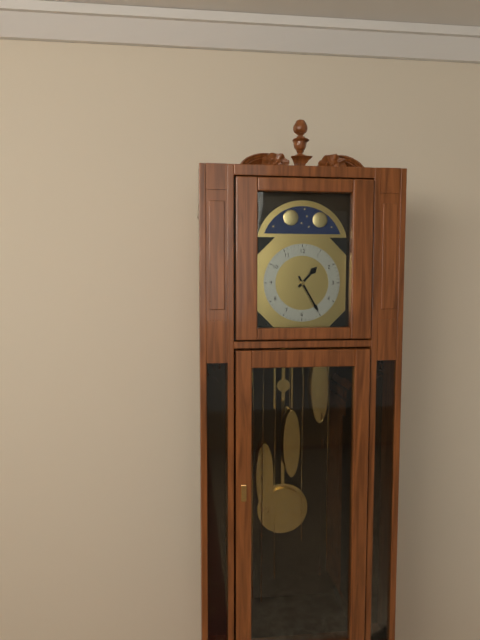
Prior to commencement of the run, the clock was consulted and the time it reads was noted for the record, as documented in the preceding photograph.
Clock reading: 1:25
